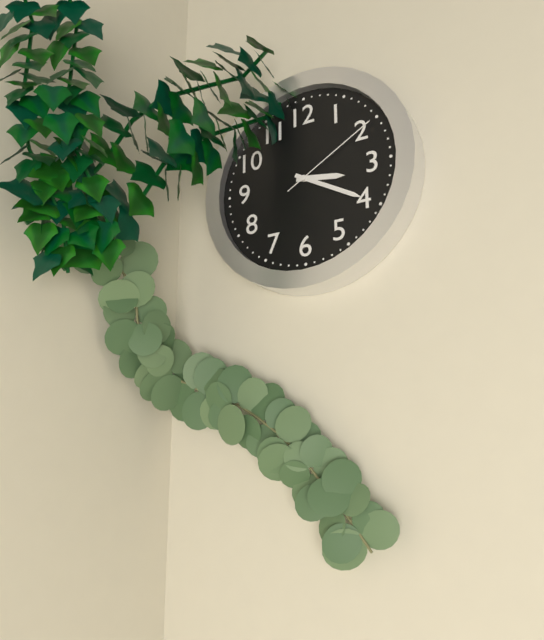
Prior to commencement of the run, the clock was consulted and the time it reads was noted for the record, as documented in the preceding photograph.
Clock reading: 3:20:10
